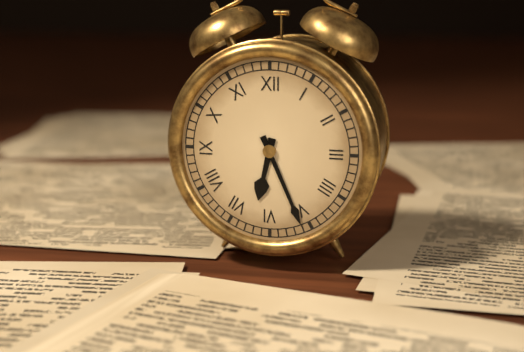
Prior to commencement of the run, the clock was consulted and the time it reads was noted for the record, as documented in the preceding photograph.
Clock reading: 6:26
